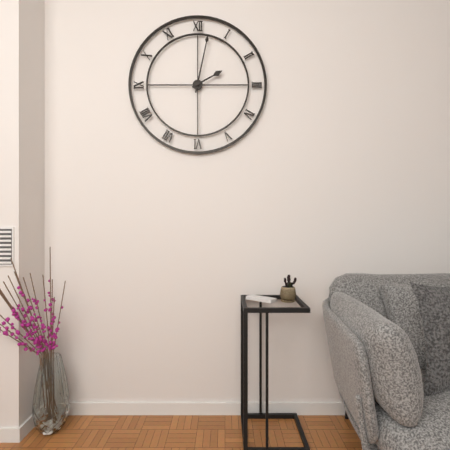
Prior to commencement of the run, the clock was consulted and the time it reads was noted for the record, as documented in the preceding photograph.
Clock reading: 2:02
